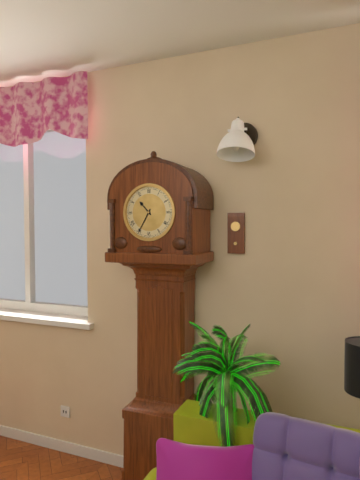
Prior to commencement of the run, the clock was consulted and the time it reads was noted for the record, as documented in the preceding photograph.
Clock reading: 10:35
